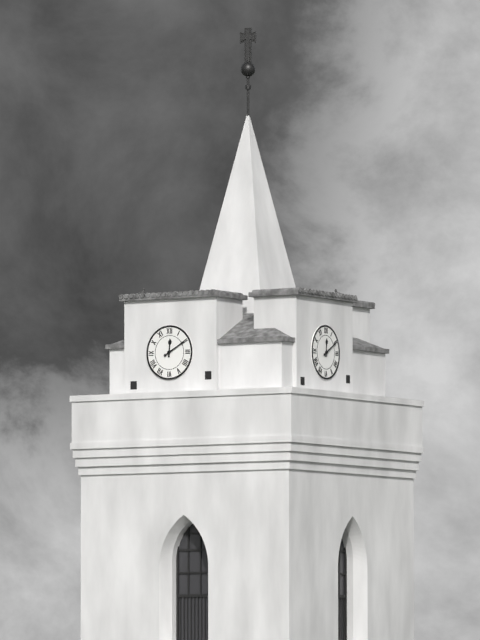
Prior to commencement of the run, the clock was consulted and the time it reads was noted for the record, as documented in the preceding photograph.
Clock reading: 12:10
